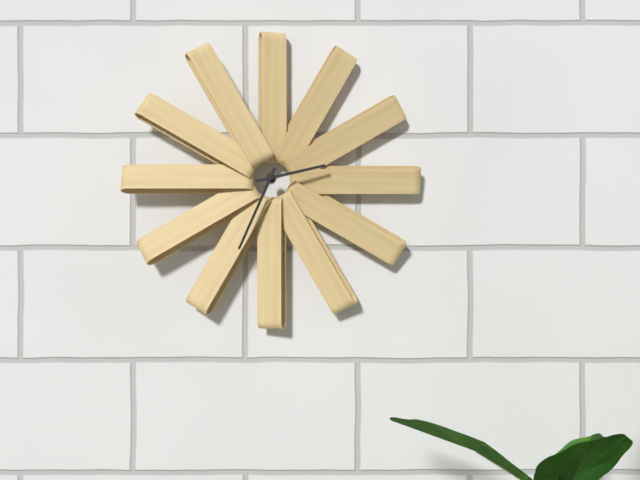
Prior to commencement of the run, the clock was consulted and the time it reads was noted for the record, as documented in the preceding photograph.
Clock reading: 2:34
